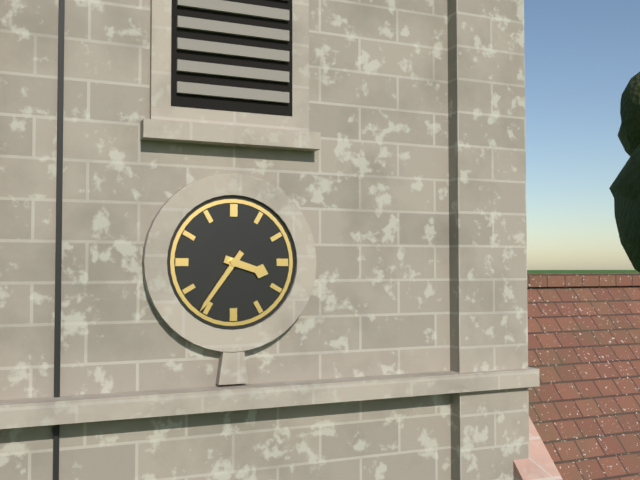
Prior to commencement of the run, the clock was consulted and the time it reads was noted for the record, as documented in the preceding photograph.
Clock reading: 3:36
